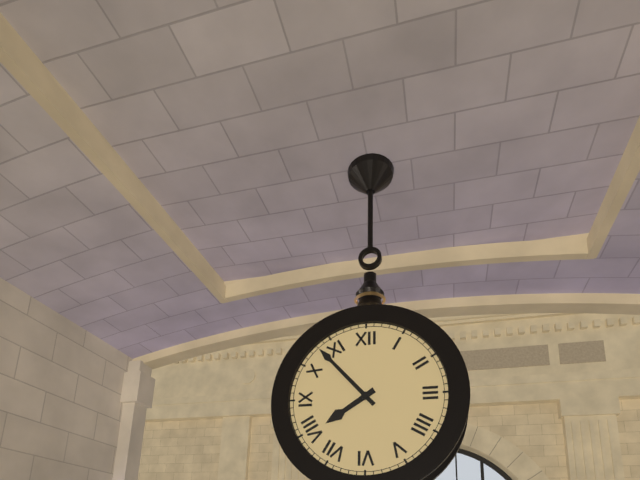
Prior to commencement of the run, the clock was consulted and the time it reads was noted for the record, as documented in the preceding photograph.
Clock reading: 7:53
